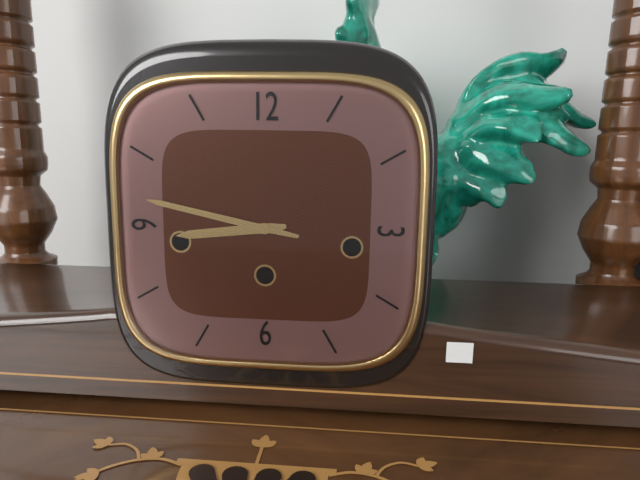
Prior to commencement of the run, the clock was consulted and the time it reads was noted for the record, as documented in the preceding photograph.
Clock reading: 8:47
